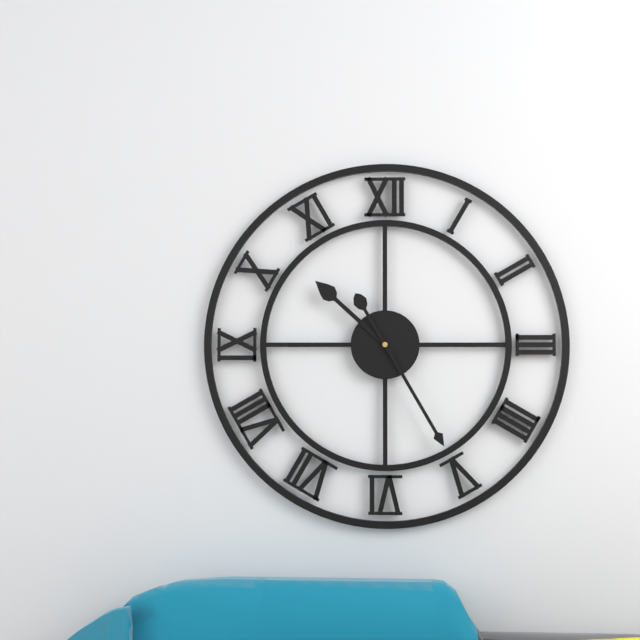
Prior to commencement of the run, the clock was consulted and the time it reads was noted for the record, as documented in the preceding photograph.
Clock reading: 10:25
